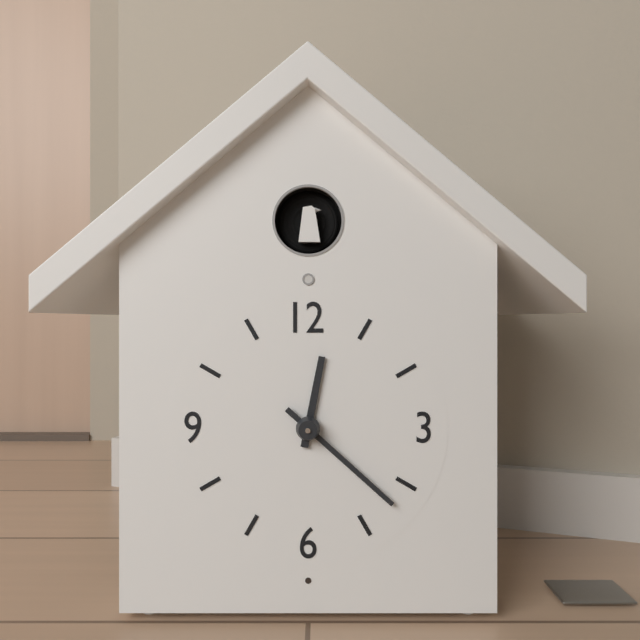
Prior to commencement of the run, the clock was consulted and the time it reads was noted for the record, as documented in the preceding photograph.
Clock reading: 12:22
